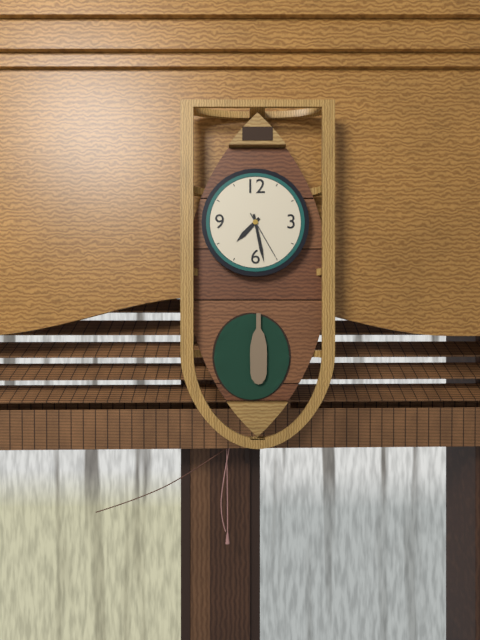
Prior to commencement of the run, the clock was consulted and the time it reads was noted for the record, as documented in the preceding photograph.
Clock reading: 7:28
